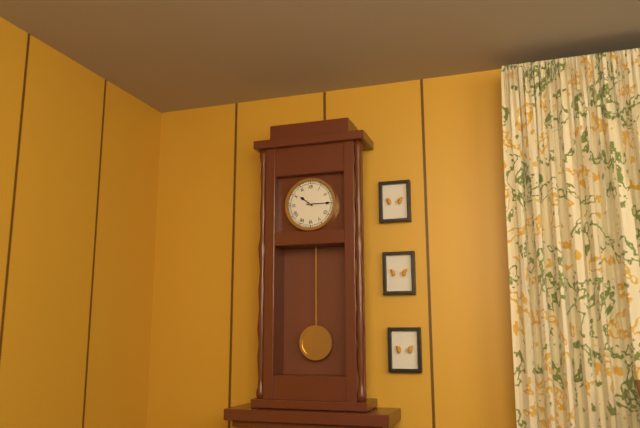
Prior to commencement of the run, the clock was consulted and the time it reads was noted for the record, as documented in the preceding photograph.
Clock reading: 10:15
